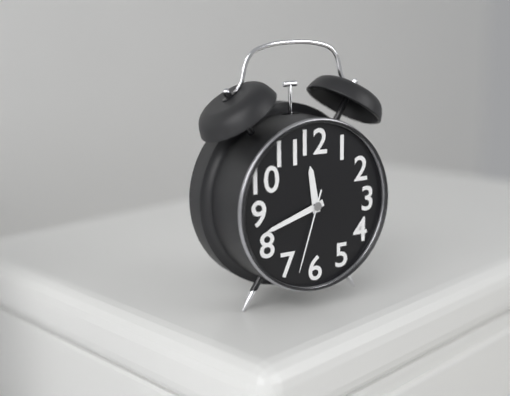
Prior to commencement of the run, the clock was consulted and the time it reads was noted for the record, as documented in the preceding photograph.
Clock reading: 11:42:33
